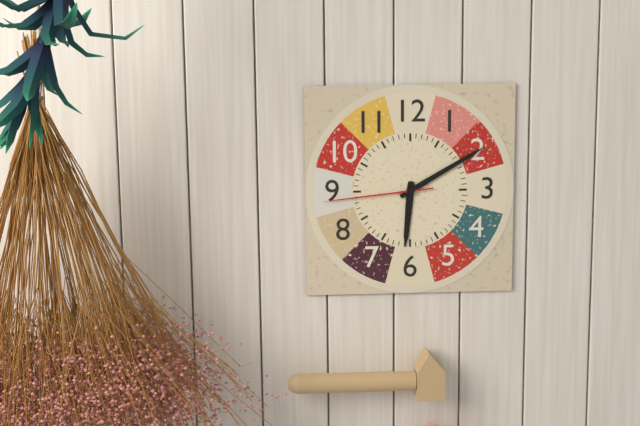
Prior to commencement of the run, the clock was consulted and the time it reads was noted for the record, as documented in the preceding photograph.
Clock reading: 6:10:44
